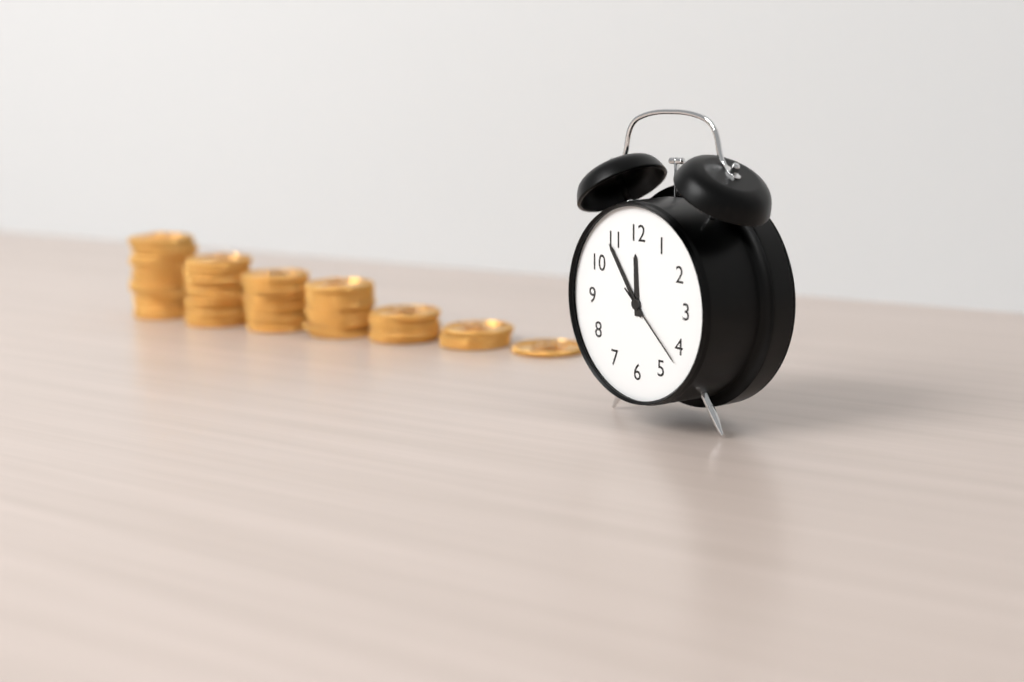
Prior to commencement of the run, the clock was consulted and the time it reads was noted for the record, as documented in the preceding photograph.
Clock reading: 11:54:22
